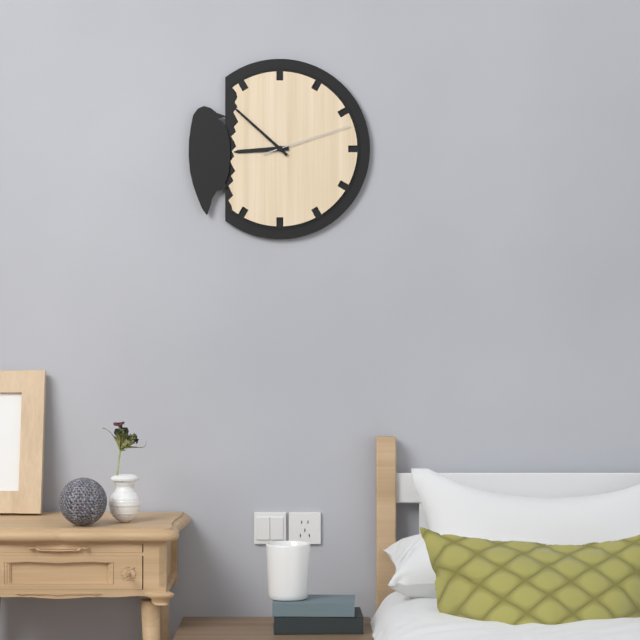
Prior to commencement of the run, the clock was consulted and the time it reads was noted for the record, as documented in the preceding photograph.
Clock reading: 8:52:12
